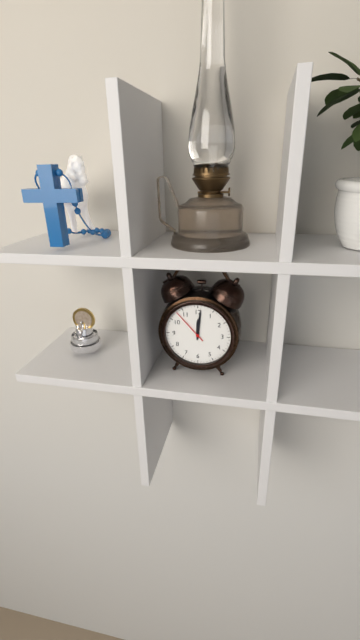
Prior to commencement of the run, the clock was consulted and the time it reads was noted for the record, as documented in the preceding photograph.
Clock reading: 12:01
